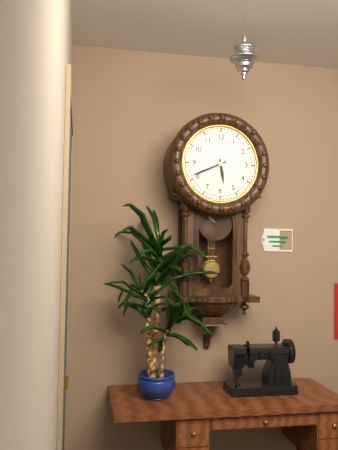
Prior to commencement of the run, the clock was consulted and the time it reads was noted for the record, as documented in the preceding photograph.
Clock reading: 5:41
